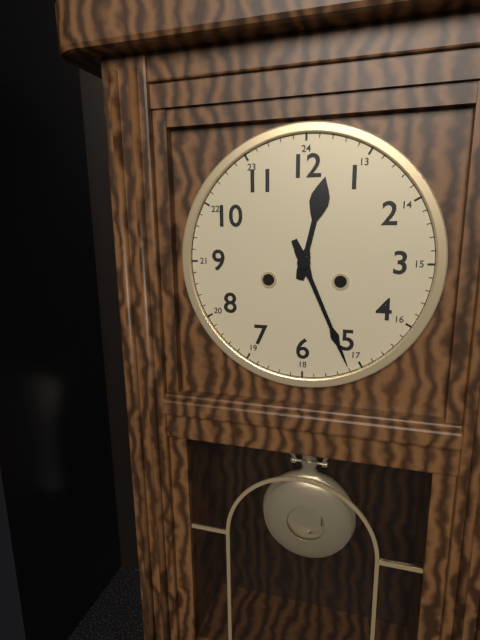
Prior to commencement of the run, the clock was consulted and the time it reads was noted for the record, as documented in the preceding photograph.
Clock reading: 12:26
